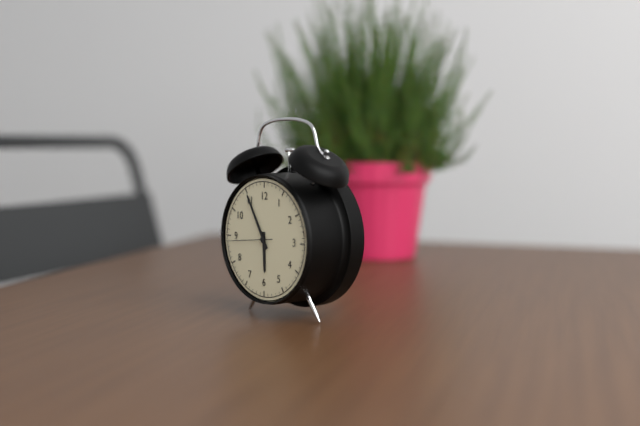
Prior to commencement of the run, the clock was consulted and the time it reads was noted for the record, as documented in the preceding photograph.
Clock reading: 5:55
